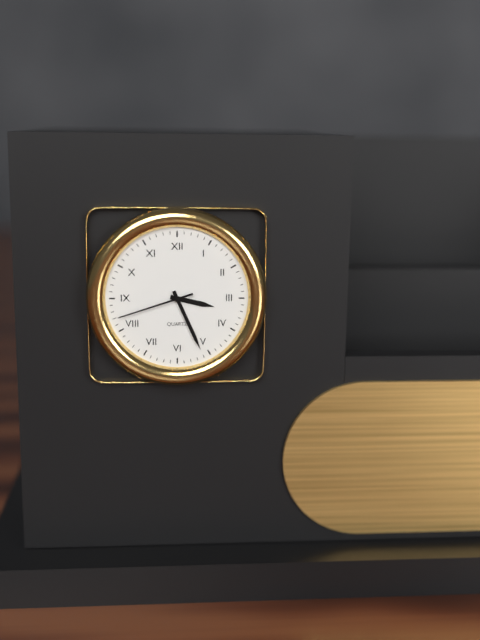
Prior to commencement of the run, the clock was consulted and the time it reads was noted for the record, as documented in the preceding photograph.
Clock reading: 3:26:42
